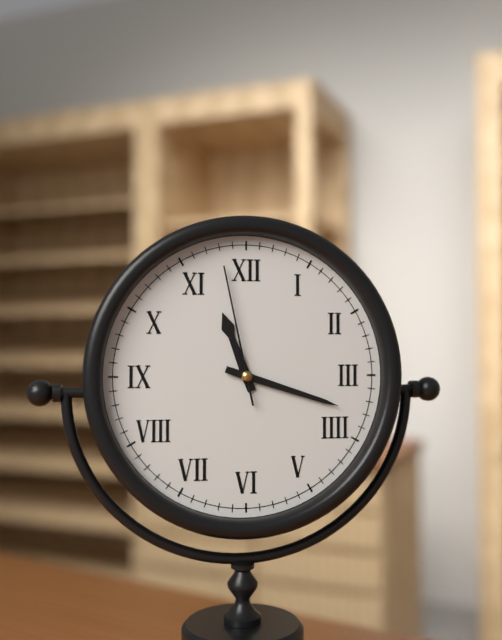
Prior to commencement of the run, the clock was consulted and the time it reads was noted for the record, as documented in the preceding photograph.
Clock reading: 11:18:58
